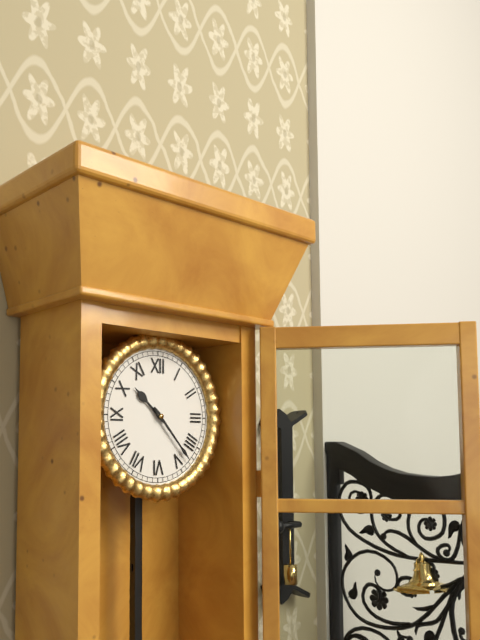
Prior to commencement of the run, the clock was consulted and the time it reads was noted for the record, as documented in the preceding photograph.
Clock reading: 10:23
